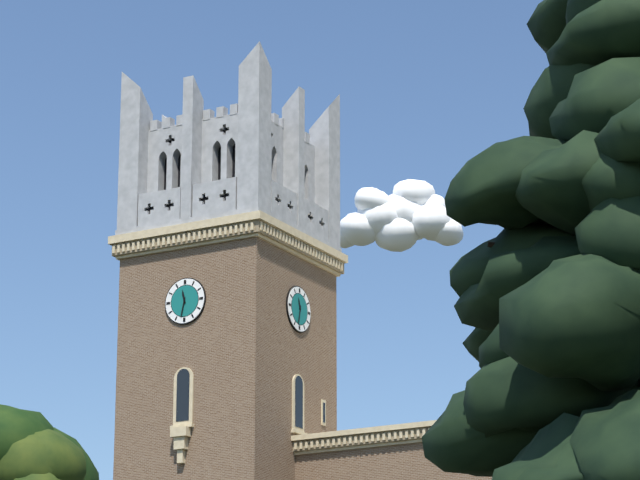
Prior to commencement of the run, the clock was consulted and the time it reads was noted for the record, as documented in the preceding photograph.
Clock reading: 11:32
